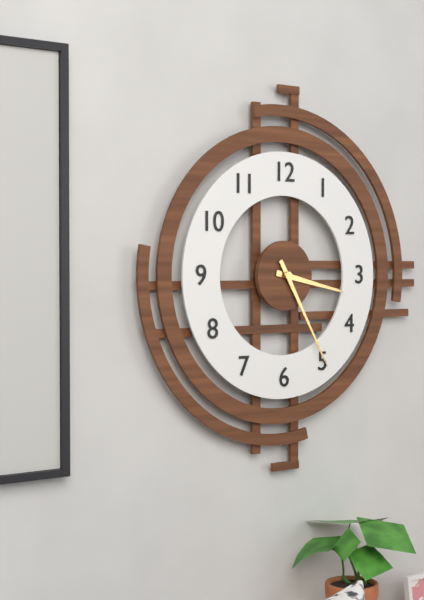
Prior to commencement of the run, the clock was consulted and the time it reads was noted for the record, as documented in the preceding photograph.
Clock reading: 3:25
